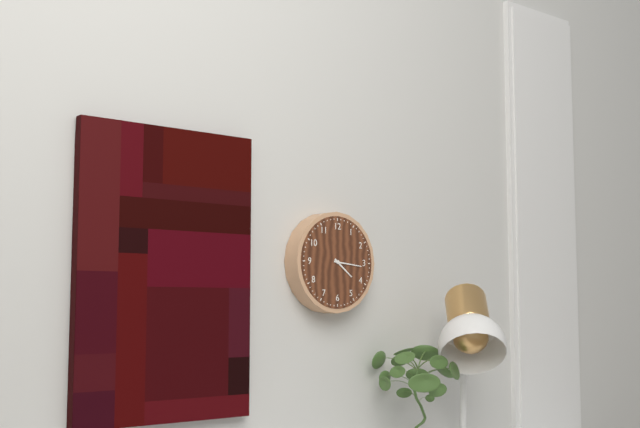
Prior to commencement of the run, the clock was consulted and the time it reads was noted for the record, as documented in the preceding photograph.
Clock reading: 4:16
